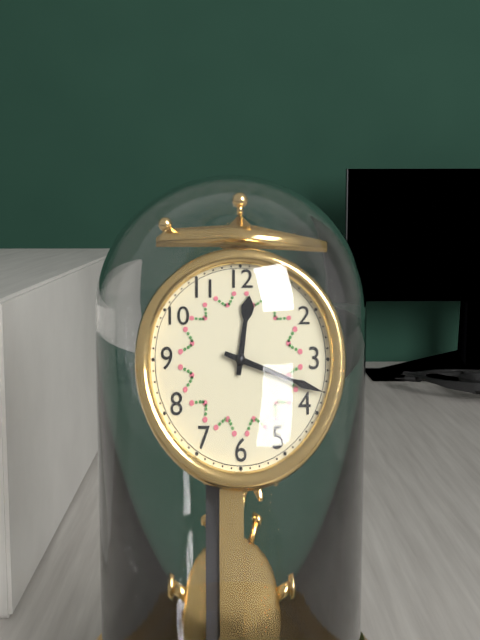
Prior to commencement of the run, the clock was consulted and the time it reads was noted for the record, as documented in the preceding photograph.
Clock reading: 12:18
